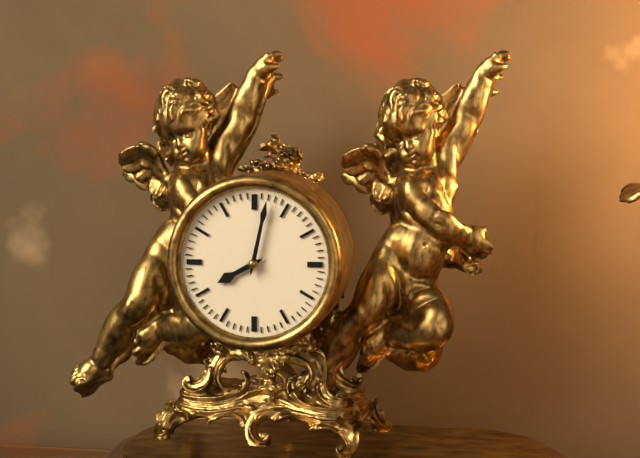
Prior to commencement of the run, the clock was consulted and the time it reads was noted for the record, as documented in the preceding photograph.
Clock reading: 8:02
